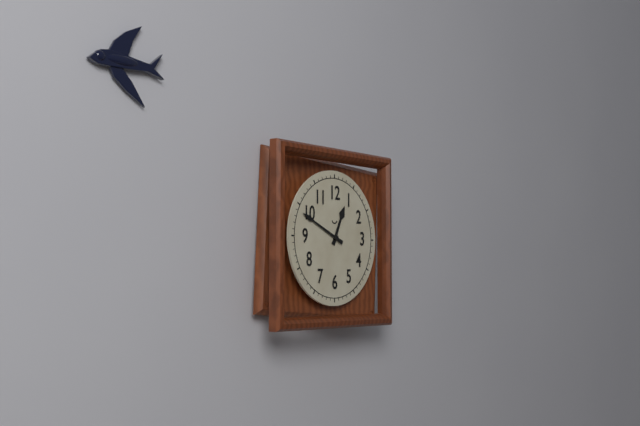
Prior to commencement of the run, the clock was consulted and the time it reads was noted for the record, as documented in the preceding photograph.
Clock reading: 12:49
